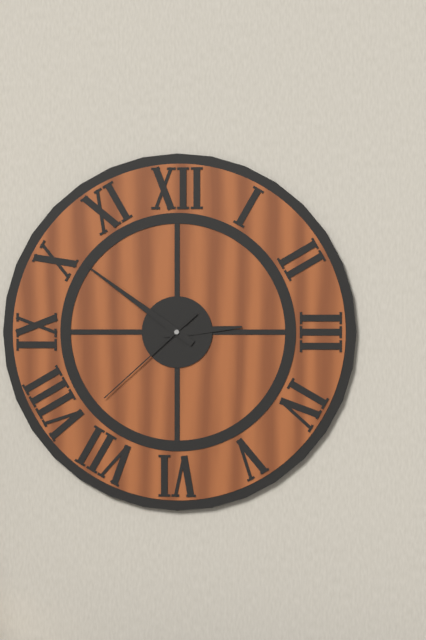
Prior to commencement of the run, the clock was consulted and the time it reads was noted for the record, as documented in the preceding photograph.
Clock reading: 2:51:38
